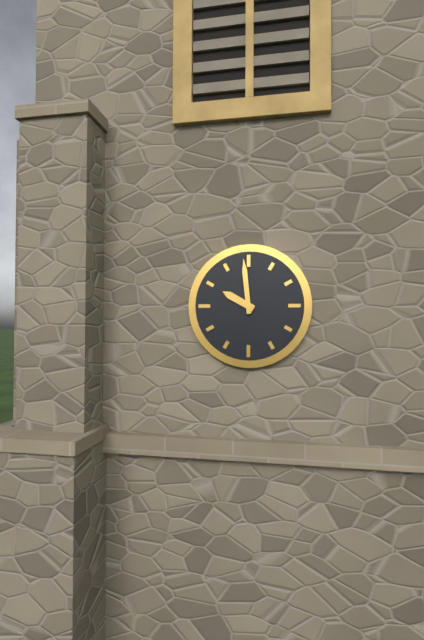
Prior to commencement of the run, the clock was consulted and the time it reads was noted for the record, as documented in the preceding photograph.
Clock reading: 9:59
